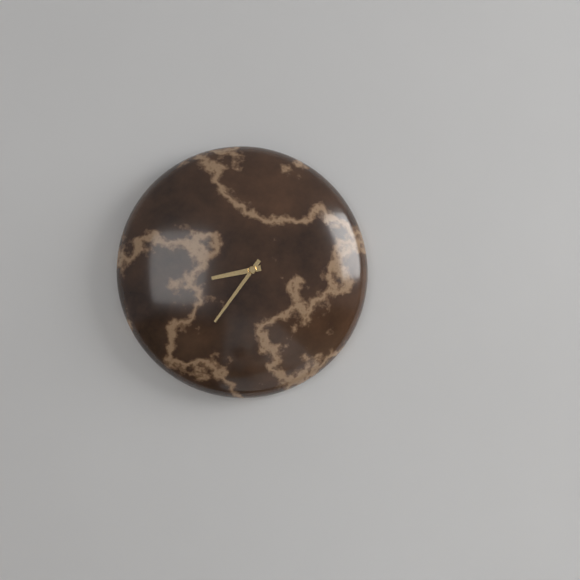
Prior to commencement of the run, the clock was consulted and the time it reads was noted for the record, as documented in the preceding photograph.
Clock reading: 8:36
